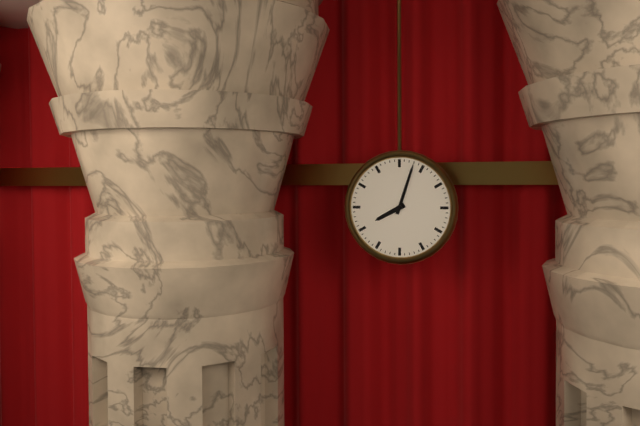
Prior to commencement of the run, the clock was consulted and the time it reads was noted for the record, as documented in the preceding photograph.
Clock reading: 8:03
